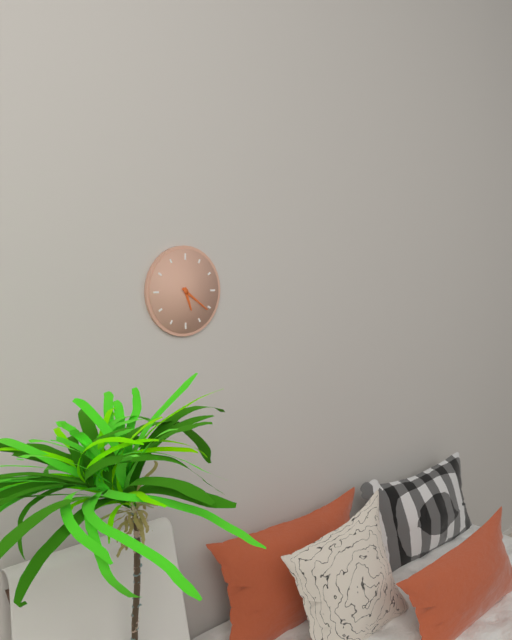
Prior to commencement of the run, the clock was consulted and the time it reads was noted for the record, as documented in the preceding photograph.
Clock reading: 5:21
